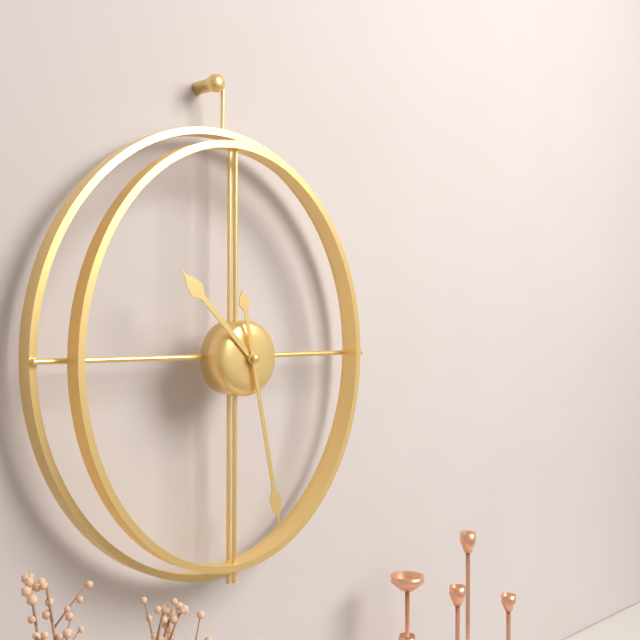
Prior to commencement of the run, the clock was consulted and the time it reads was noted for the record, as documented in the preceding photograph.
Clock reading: 10:28
